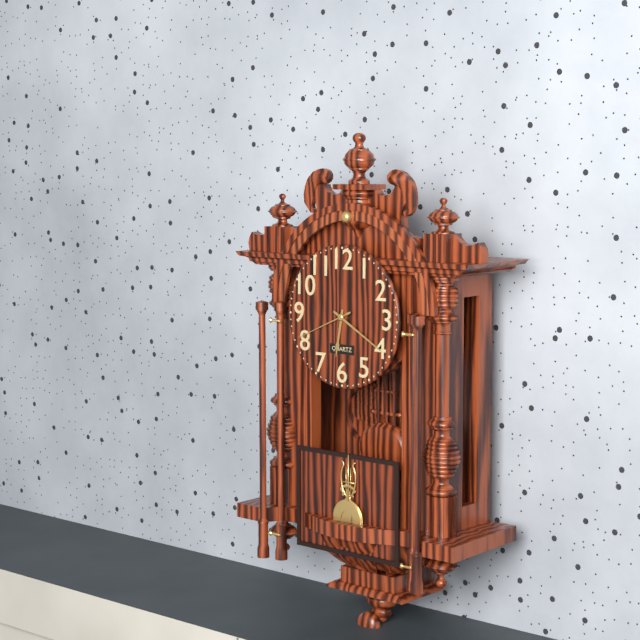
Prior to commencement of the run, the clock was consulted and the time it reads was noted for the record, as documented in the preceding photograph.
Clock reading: 6:20:41
